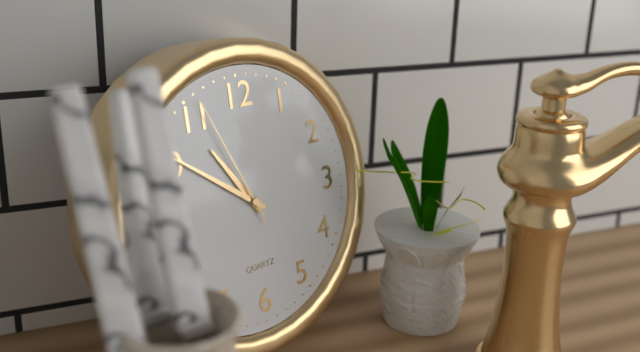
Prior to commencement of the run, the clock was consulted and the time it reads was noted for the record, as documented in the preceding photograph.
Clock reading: 10:51:56
